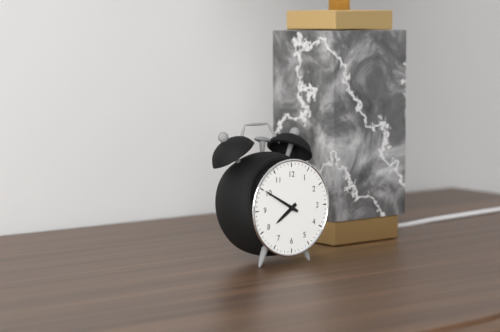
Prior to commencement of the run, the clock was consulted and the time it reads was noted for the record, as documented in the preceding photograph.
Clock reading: 7:50
